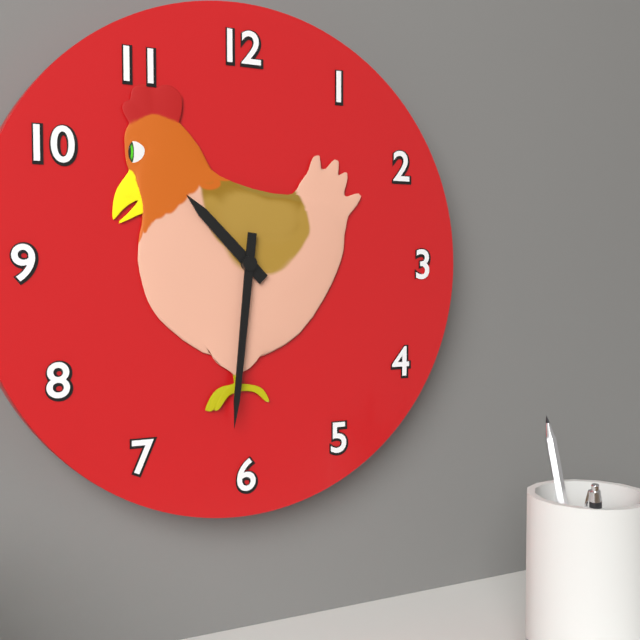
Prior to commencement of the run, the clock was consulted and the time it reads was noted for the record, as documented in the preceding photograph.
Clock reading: 10:31
